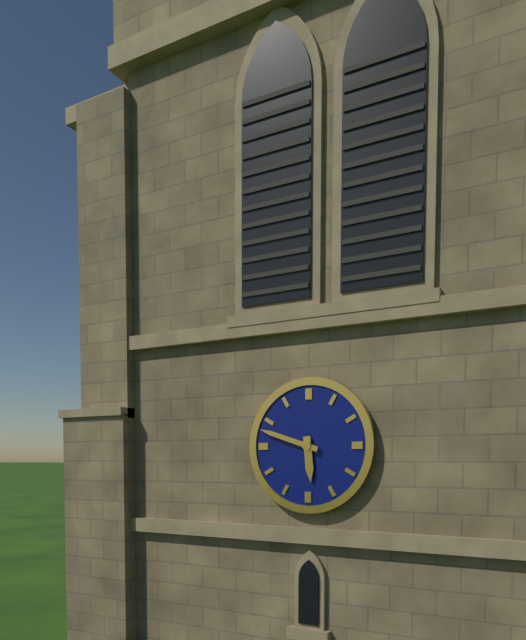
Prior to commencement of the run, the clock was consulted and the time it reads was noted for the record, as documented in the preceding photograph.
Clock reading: 5:48
